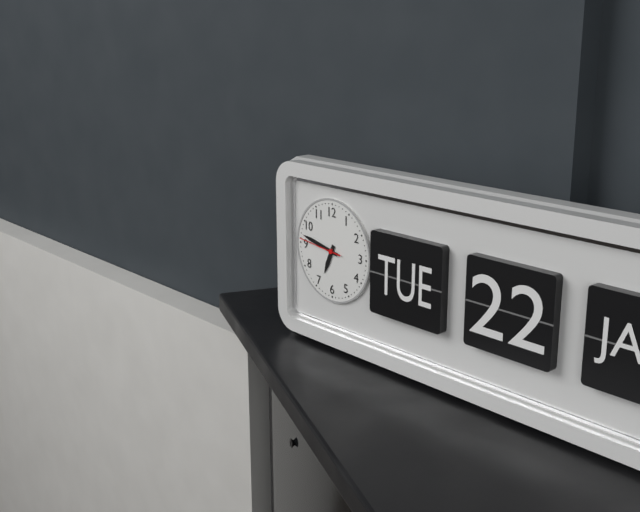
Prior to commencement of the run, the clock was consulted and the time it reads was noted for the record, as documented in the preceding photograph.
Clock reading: 6:47
